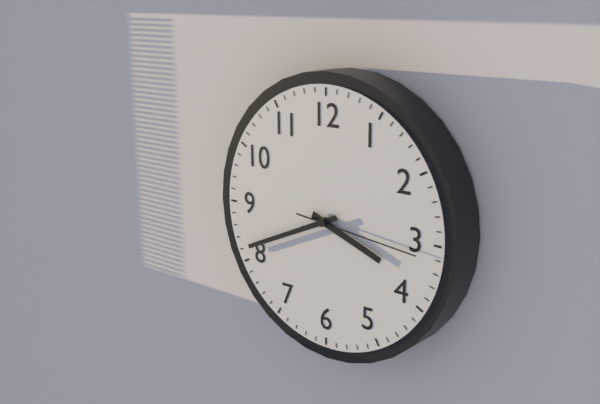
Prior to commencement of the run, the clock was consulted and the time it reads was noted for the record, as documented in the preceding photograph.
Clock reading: 3:41:16
